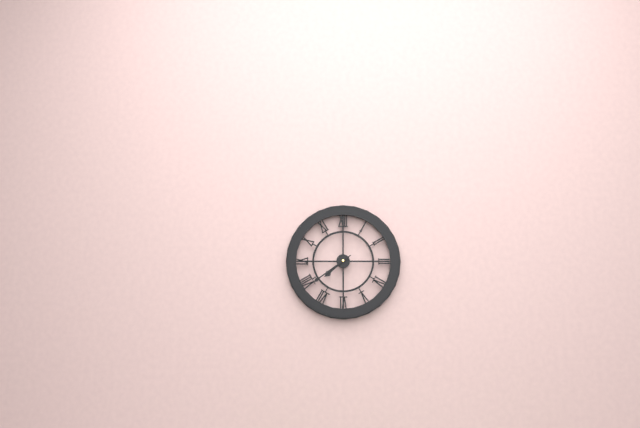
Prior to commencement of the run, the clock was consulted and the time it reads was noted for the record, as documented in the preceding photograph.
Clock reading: 7:39
